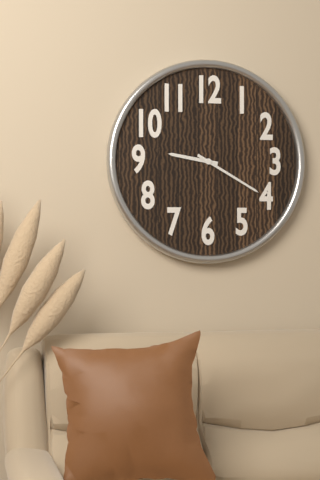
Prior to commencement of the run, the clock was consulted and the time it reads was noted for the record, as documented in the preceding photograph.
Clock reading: 9:20
